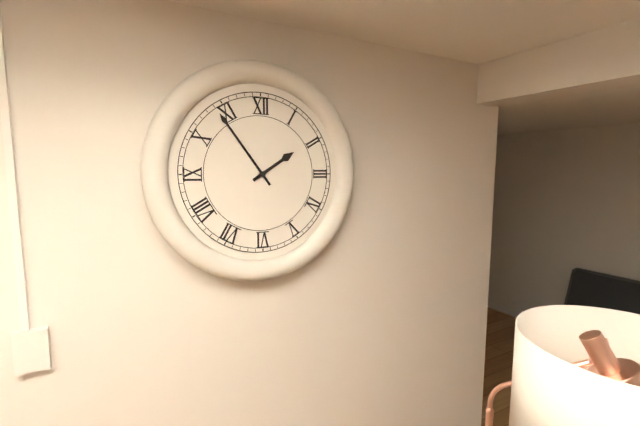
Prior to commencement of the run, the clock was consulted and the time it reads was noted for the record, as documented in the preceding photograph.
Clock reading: 1:54
